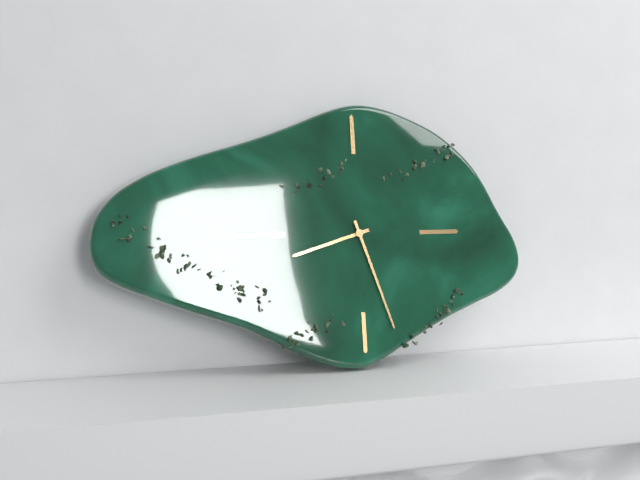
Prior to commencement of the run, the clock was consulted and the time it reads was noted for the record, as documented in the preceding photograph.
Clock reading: 8:27
